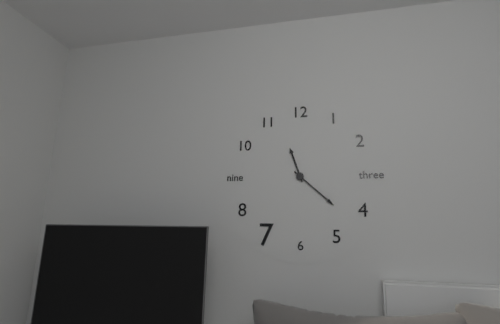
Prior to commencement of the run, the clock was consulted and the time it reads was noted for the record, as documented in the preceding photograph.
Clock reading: 11:22
